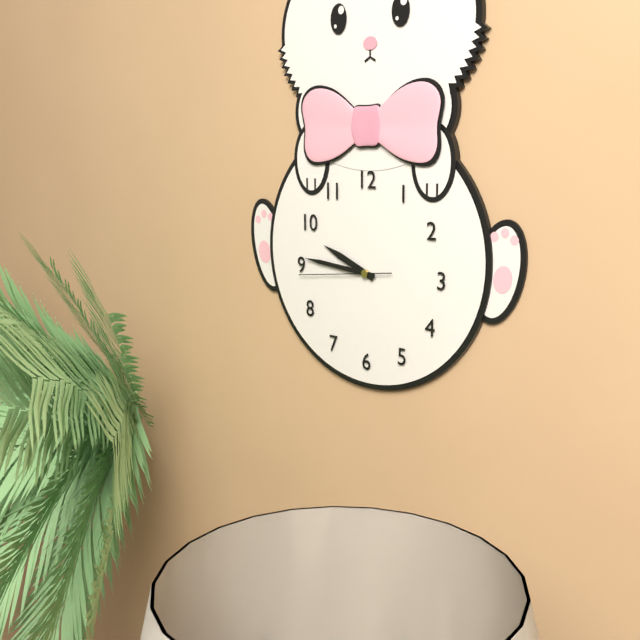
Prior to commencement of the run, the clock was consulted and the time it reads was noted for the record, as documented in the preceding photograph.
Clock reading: 9:46:44
